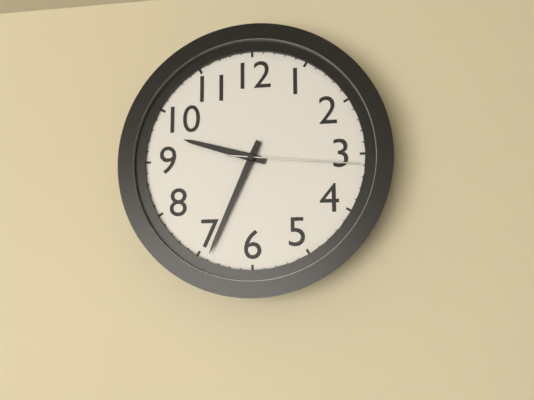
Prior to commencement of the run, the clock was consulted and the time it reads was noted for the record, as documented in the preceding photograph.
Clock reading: 9:34:16
